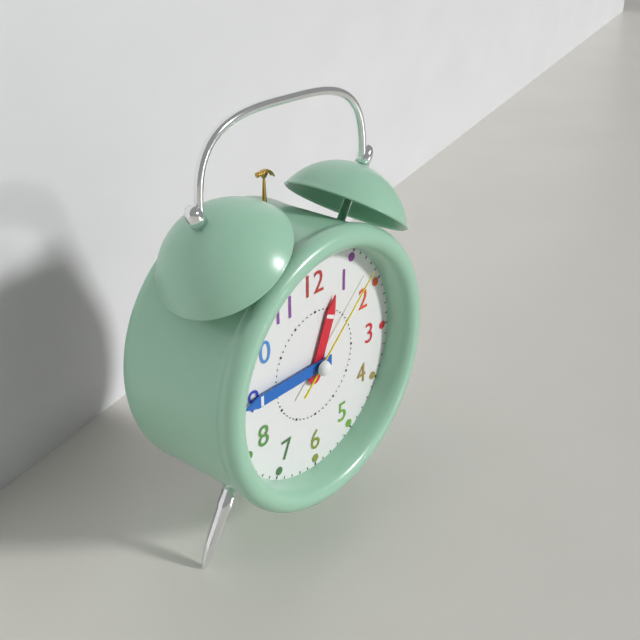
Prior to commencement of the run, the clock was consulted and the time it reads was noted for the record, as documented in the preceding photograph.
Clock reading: 12:45:08
